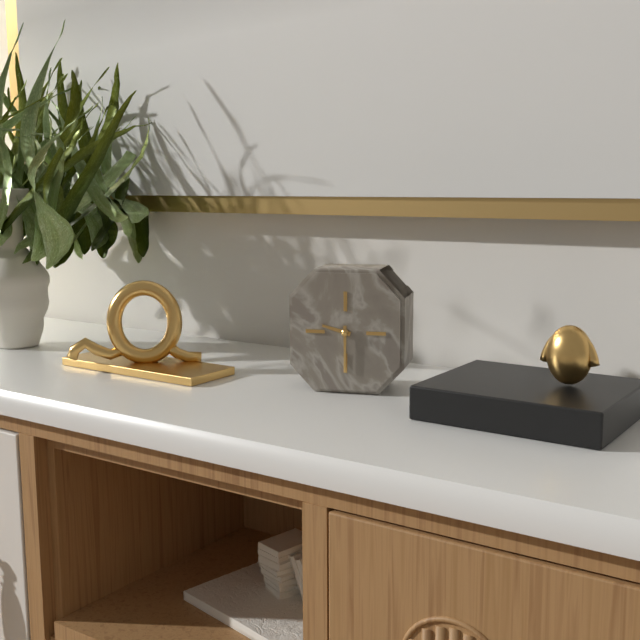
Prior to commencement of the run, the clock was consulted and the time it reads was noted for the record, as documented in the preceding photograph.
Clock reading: 9:30
